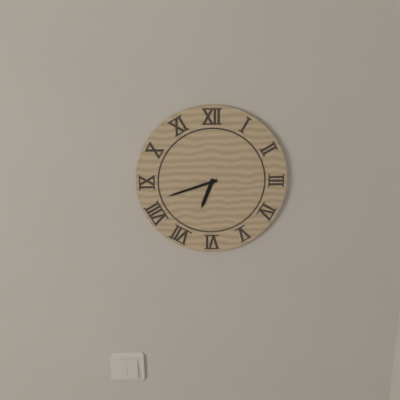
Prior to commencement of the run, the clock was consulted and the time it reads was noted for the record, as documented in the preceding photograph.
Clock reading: 6:42
